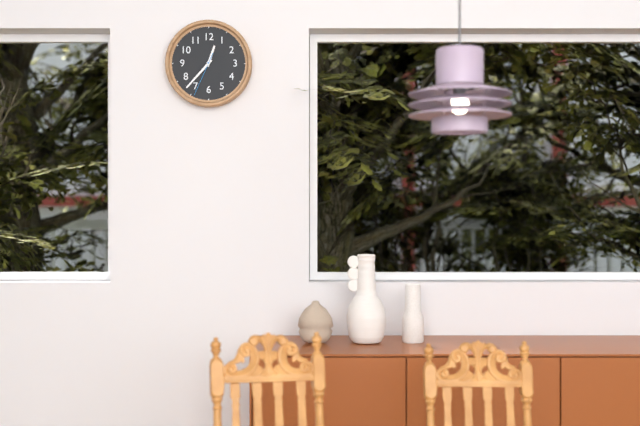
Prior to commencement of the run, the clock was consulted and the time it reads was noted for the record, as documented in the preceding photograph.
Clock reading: 12:37
